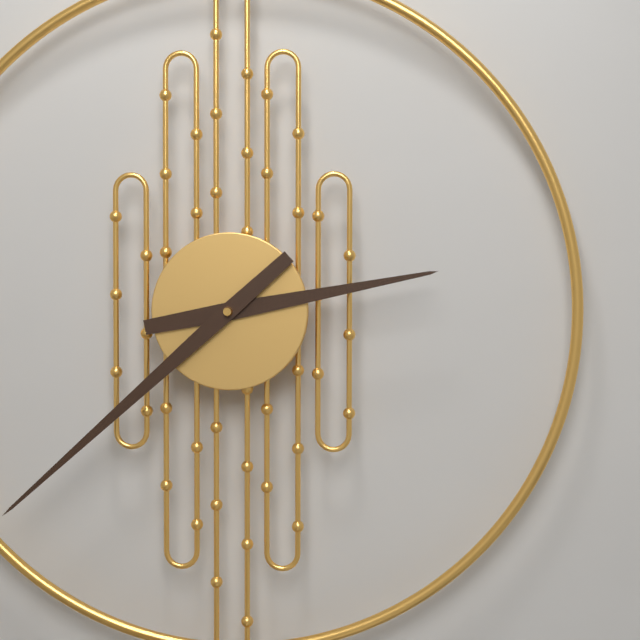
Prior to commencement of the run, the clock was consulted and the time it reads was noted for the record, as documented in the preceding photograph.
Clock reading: 2:38
